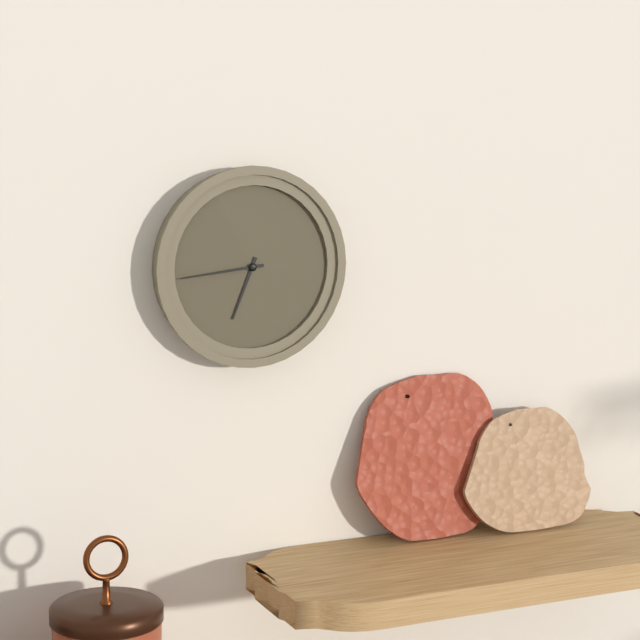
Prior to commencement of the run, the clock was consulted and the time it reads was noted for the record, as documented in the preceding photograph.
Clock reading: 6:44
